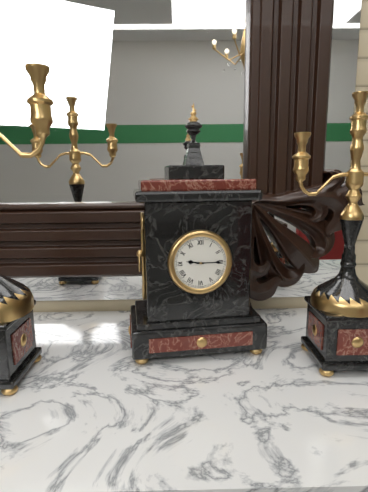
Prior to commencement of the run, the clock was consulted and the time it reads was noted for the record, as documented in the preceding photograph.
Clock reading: 9:15
